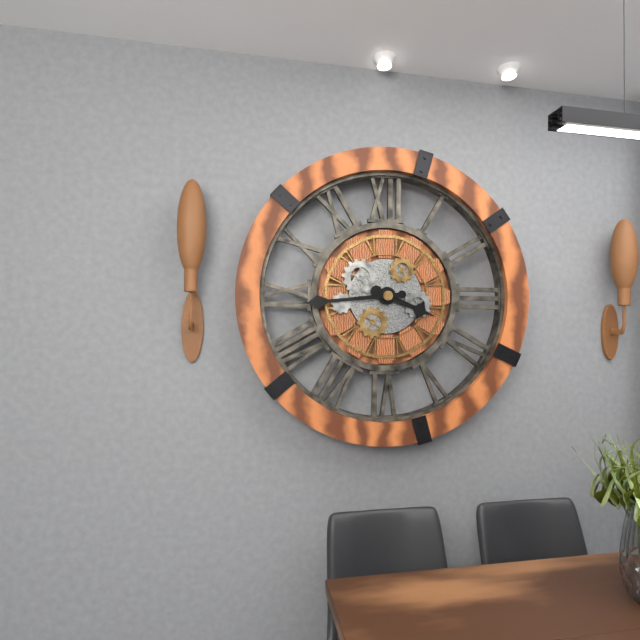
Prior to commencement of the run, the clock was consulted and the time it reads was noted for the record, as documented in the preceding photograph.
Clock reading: 3:44
